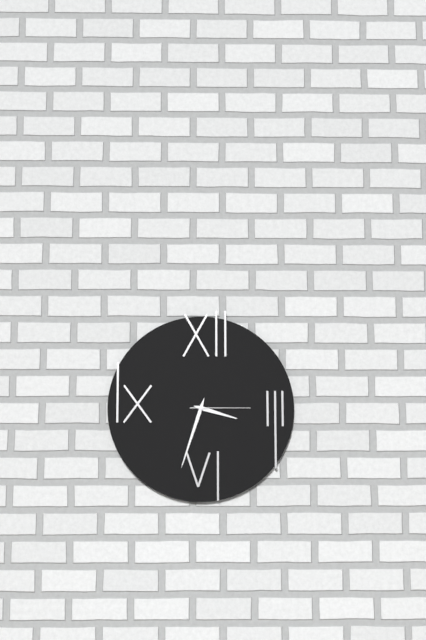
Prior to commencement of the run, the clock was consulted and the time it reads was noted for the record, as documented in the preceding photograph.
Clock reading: 3:33:15
